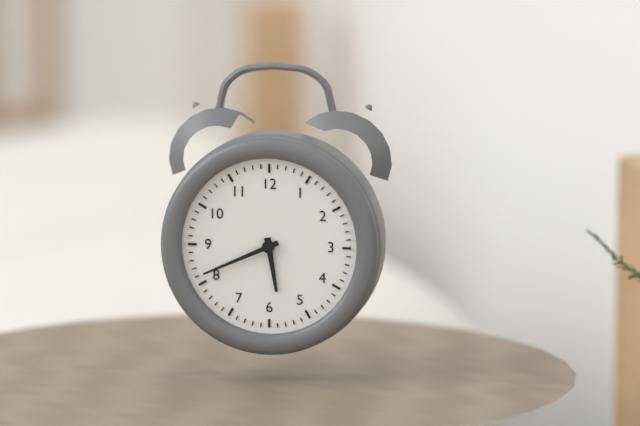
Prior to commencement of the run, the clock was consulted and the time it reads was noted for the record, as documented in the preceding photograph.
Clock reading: 5:41
